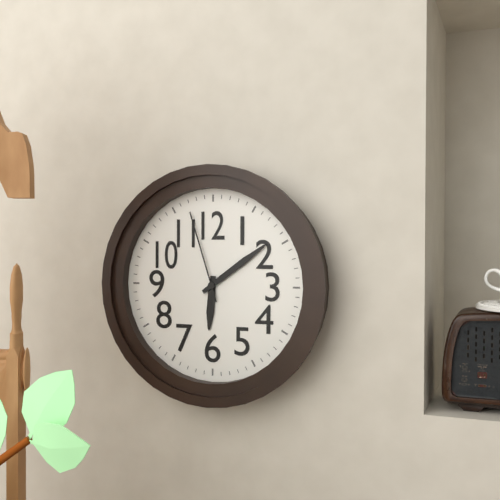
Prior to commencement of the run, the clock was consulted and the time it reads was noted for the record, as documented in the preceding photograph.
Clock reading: 6:09:57
